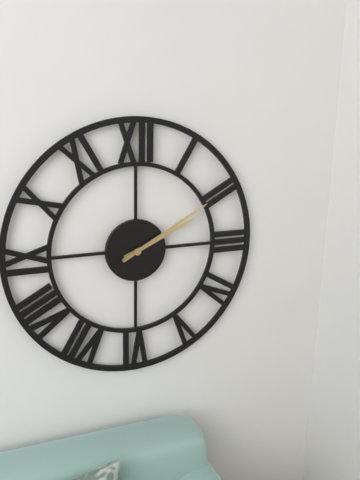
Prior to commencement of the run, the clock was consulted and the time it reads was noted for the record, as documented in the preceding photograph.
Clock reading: 2:10
